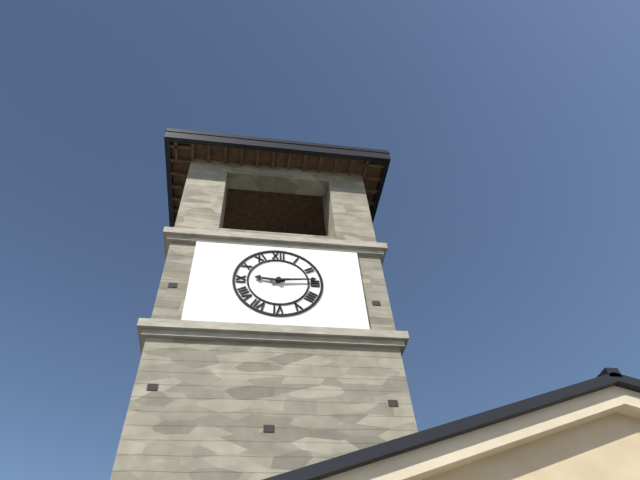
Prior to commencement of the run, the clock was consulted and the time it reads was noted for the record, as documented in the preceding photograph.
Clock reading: 9:14
